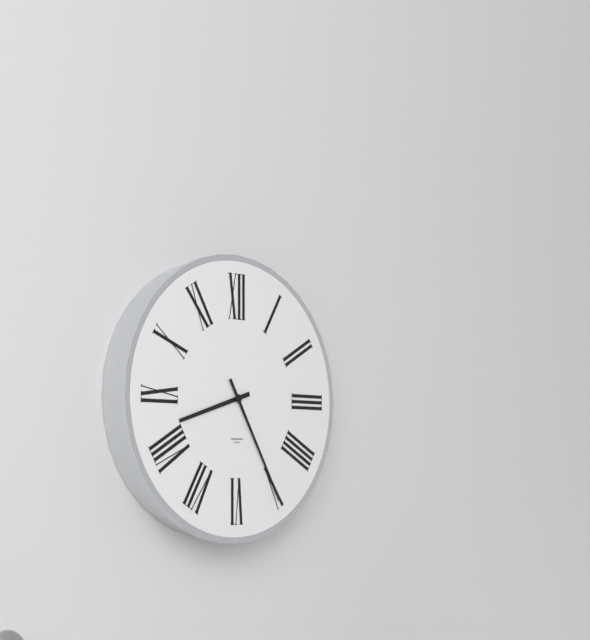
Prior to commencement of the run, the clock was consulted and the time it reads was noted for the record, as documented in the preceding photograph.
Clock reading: 8:25
